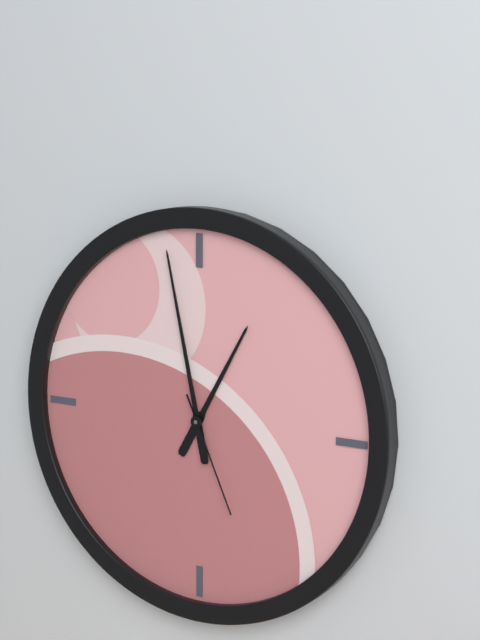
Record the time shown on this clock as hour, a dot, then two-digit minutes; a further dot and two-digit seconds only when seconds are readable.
12.58.26
